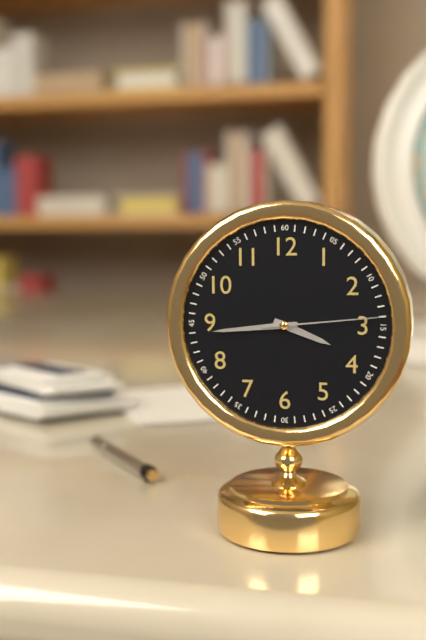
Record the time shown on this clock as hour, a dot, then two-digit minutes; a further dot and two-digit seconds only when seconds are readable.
3.44.14
